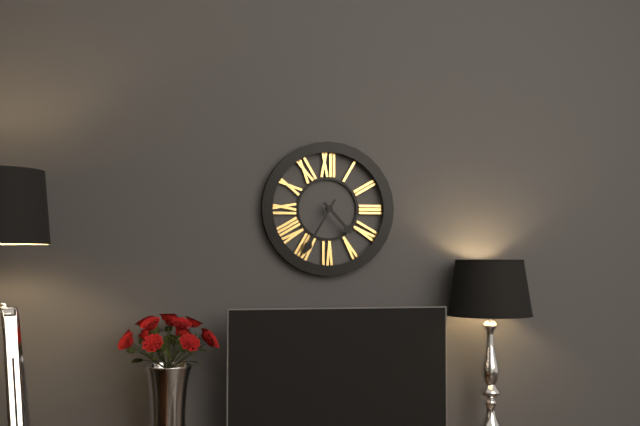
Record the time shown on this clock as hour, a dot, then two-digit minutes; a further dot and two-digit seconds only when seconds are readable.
4.35
